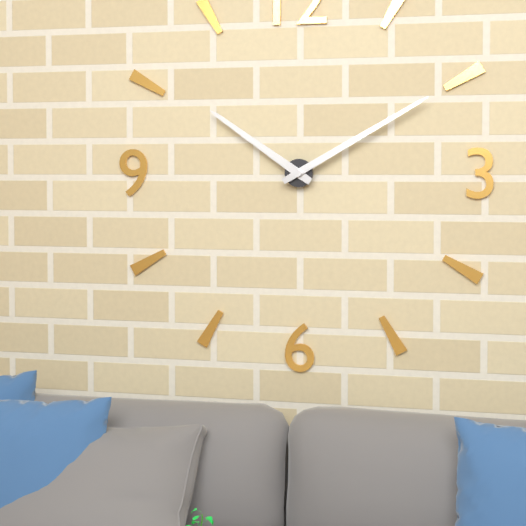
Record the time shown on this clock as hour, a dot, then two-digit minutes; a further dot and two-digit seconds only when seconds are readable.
10.10
